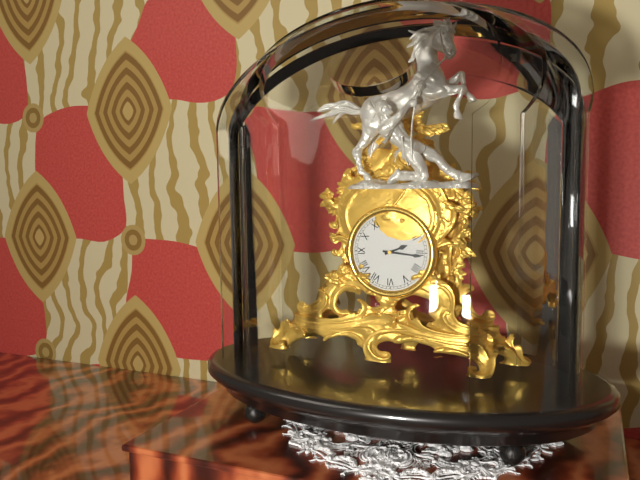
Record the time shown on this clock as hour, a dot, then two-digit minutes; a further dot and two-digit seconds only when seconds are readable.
2.16
